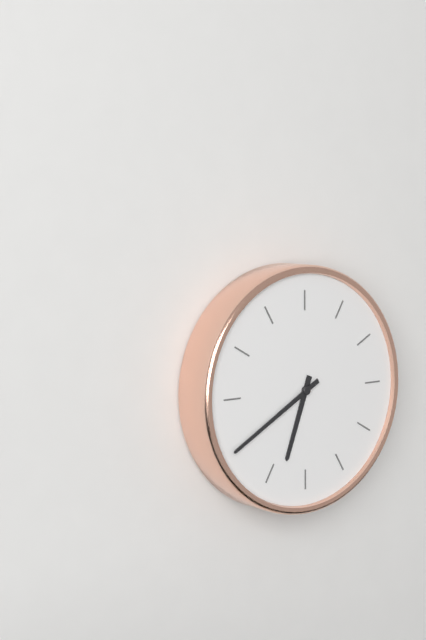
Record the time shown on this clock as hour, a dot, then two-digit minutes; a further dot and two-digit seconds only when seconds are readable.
6.40
